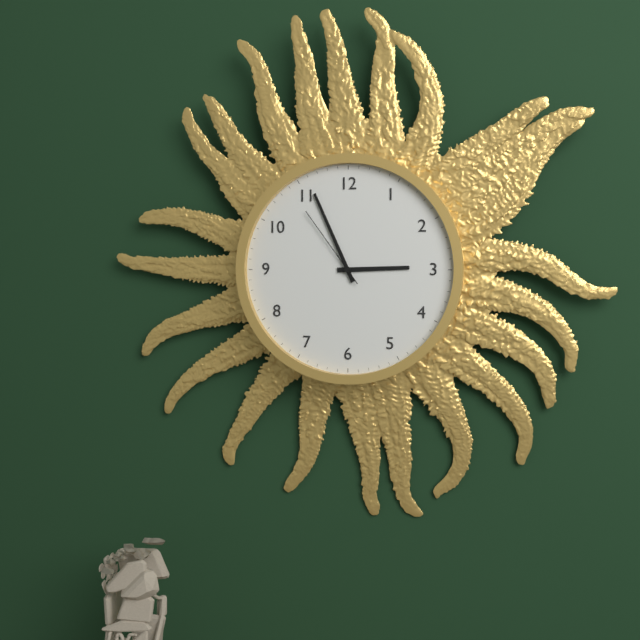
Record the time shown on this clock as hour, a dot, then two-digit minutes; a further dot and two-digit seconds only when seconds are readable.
2.56.54
